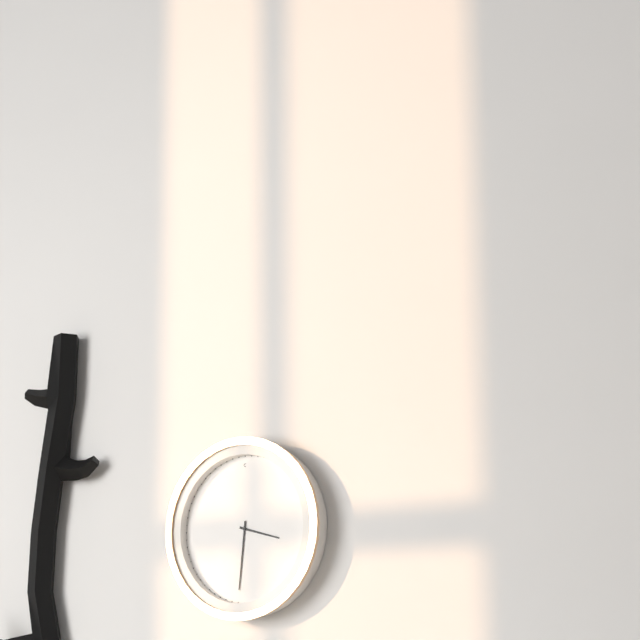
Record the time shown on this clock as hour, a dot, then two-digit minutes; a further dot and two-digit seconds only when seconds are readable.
3.31
